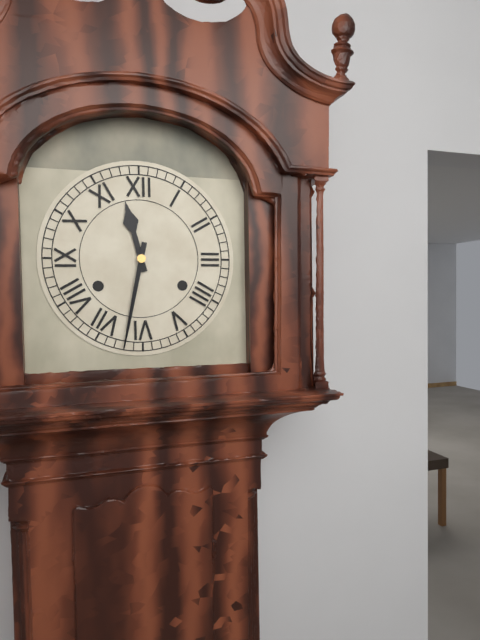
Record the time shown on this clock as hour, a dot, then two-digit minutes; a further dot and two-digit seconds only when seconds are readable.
11.32
